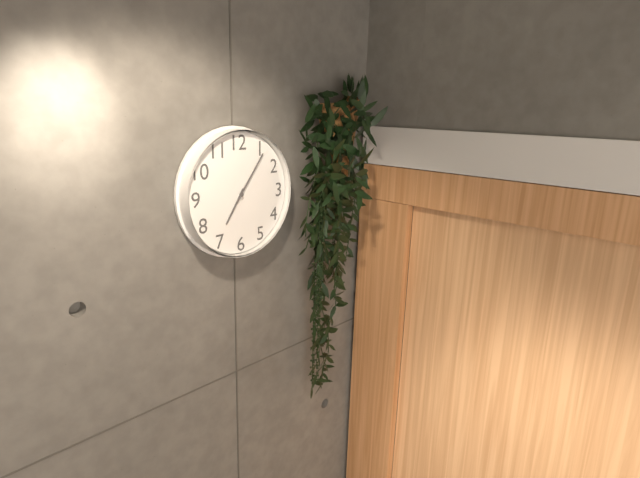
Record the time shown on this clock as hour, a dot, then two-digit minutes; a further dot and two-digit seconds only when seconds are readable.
7.06
